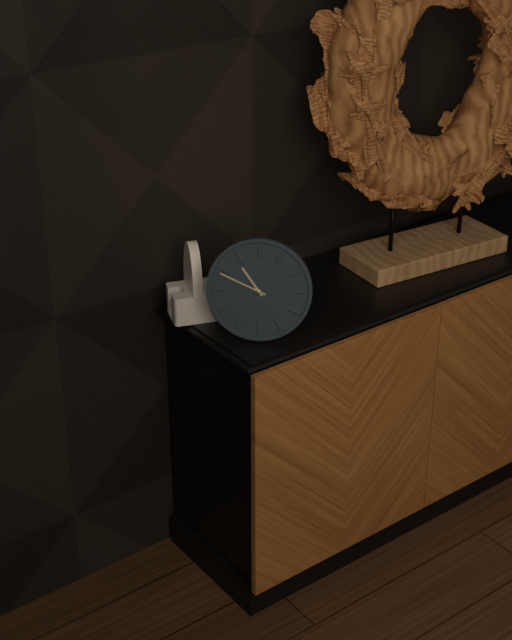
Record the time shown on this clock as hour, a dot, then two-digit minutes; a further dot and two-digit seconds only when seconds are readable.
10.49
